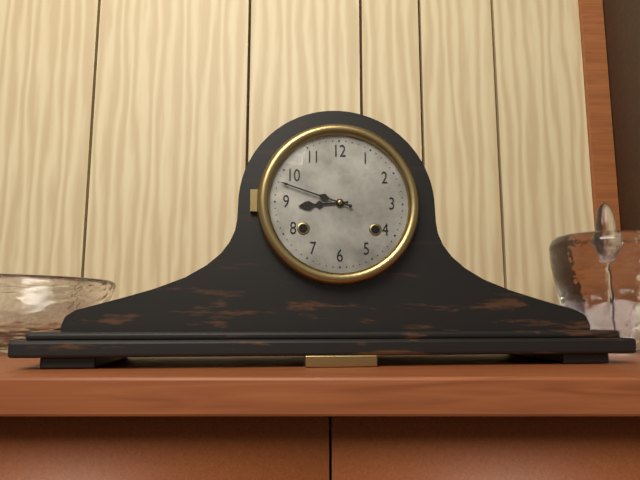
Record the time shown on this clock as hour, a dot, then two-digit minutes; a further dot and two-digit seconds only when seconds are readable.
8.48
